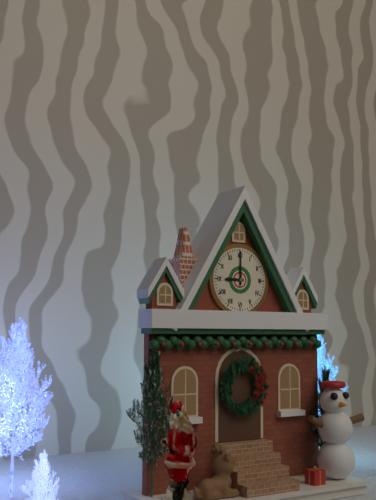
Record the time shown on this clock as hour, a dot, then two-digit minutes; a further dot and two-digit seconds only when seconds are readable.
9.00
